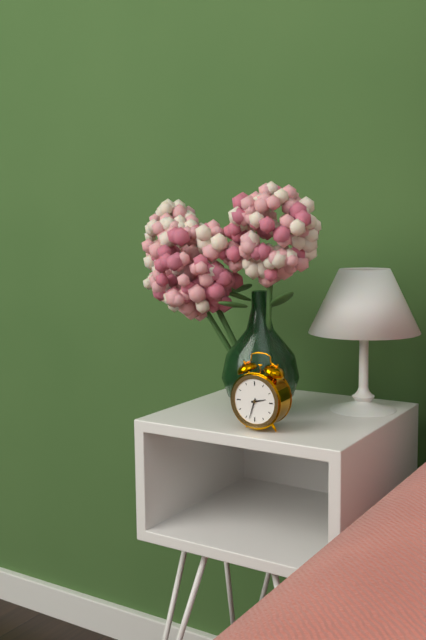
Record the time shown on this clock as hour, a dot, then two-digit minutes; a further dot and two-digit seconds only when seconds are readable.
2.33
